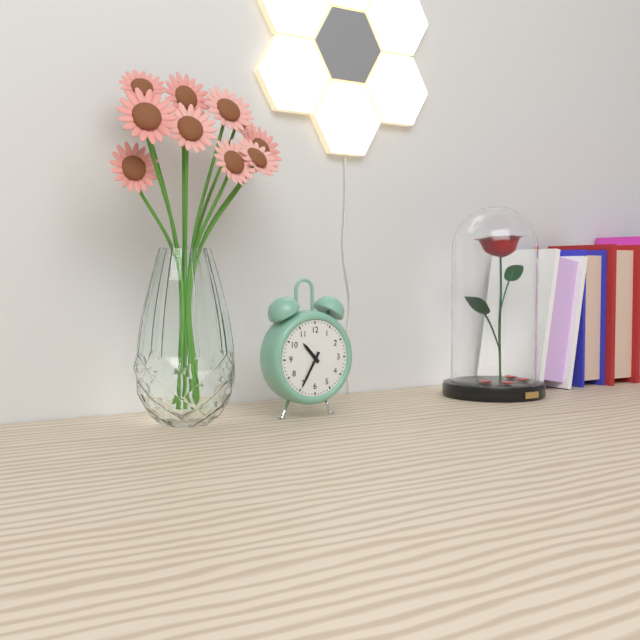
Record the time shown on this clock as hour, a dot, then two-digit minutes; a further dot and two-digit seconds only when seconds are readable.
10.35
